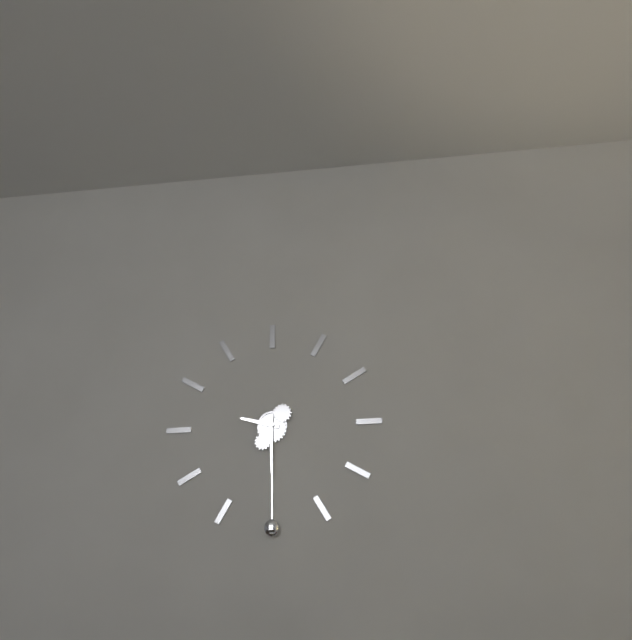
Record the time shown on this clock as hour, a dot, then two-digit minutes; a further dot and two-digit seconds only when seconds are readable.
9.30
